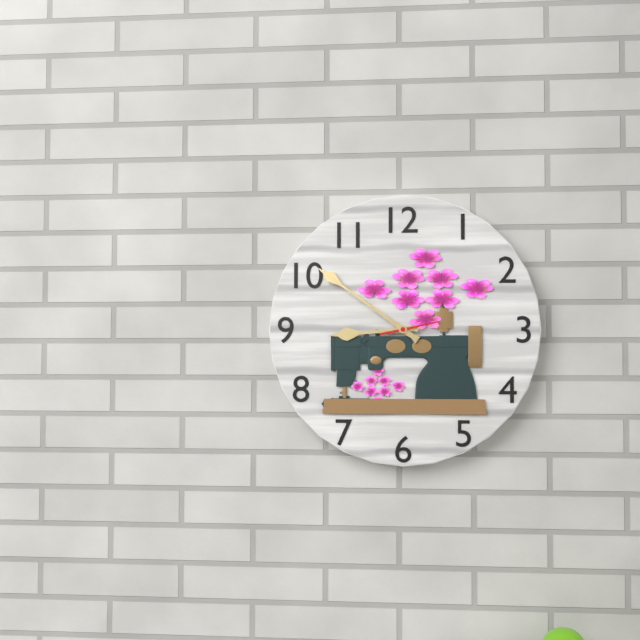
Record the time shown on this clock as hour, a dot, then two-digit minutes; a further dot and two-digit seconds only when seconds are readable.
8.51
